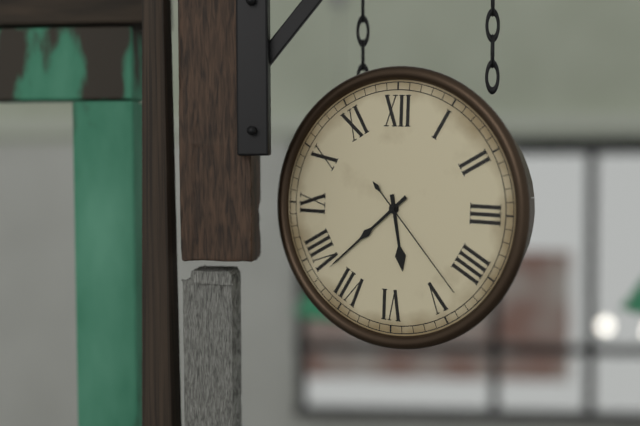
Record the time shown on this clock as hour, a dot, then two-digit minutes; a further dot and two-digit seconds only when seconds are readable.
5.38.23
